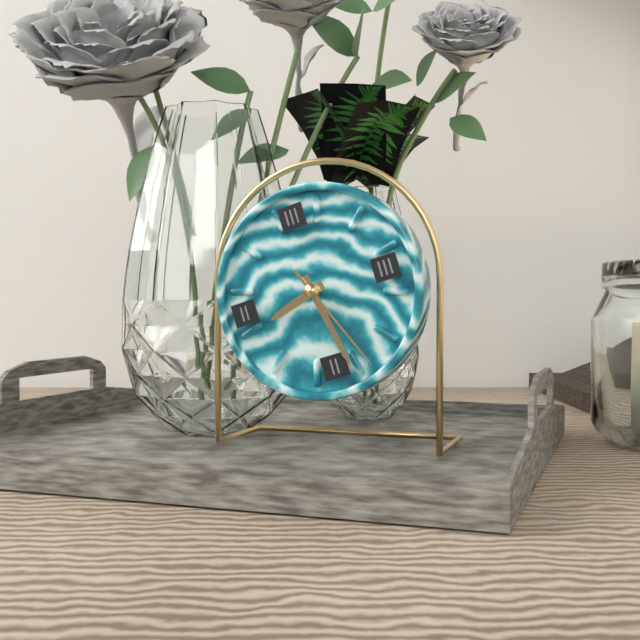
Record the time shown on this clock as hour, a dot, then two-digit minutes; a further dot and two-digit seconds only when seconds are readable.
8.28.26
